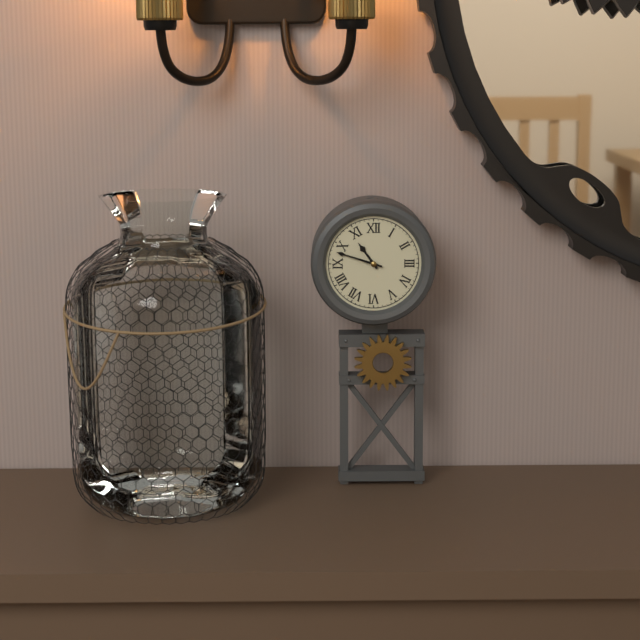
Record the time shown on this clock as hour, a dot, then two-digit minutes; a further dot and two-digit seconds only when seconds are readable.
10.48
